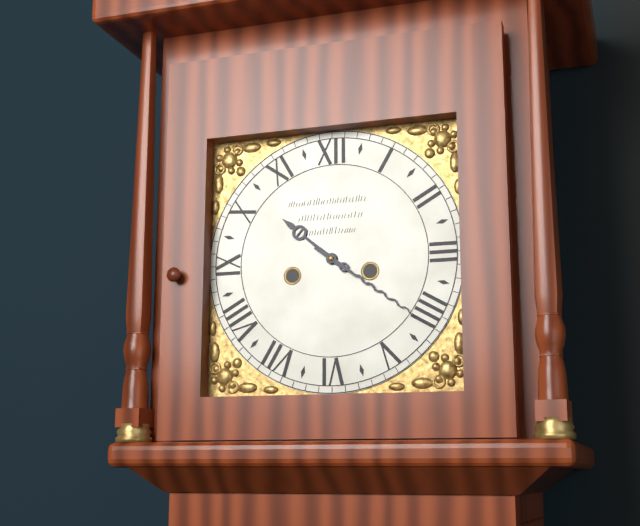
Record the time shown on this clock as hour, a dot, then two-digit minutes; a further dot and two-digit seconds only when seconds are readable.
10.21
